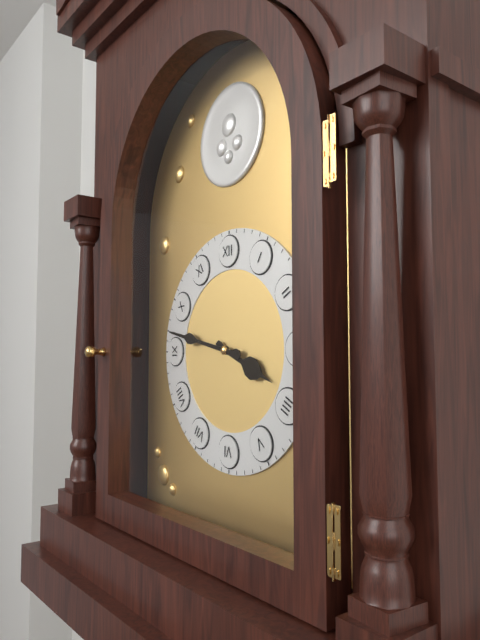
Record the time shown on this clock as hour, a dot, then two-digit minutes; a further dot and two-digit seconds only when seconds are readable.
3.47
